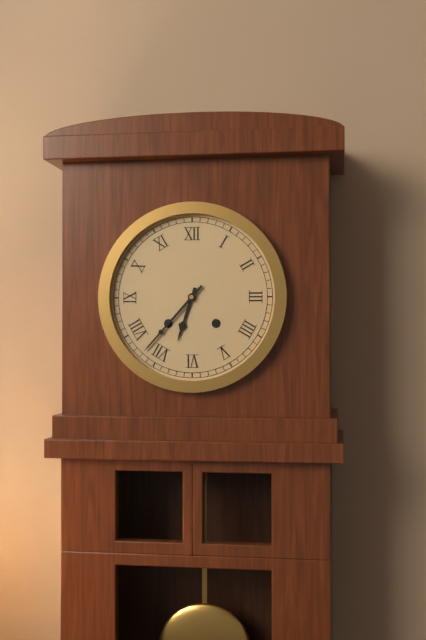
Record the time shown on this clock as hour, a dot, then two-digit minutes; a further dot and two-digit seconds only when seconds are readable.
6.37
